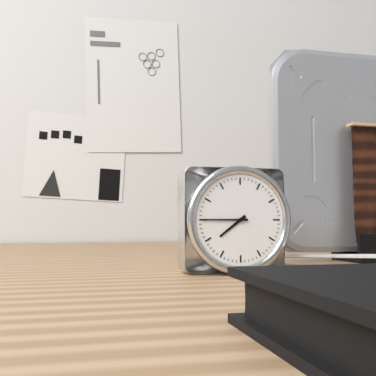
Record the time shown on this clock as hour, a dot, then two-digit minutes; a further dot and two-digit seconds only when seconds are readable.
7.45
